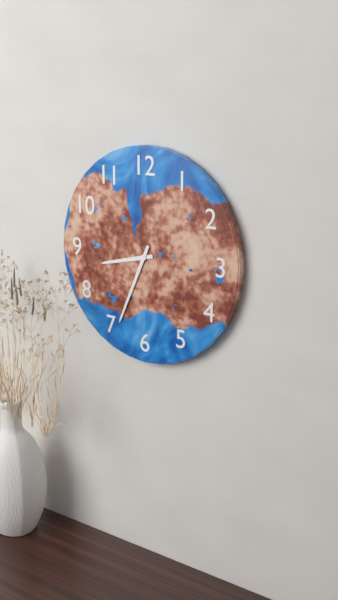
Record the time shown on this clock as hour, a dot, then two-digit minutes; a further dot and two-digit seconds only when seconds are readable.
8.34
